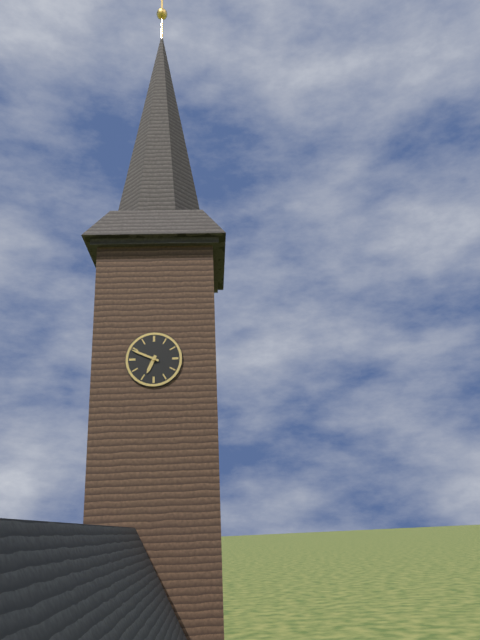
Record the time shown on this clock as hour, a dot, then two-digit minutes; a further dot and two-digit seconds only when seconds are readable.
6.49
